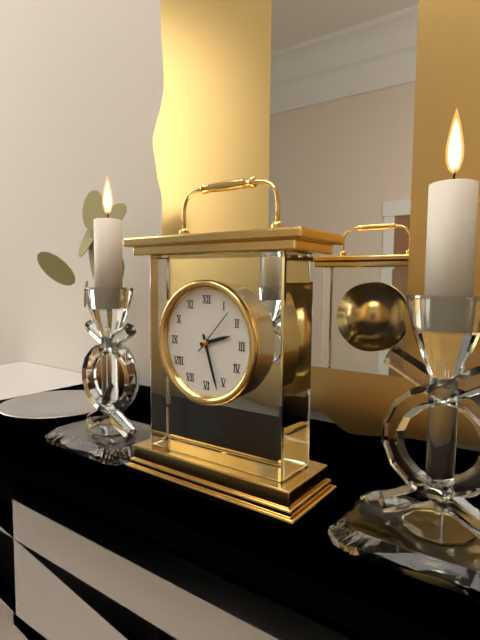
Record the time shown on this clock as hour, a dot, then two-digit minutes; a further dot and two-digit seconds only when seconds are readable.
2.27
